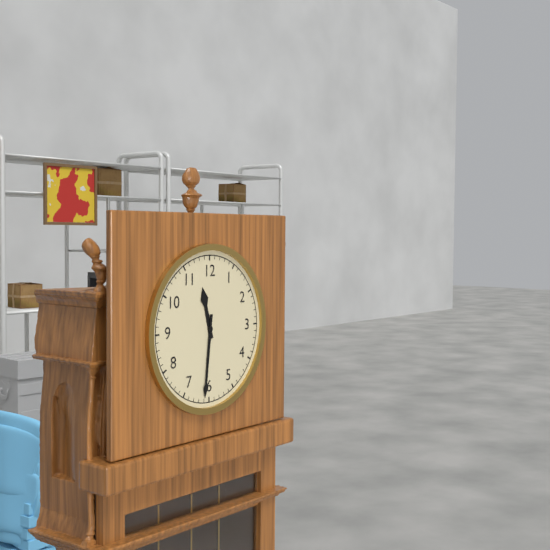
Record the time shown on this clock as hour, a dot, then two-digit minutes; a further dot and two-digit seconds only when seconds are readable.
11.31
